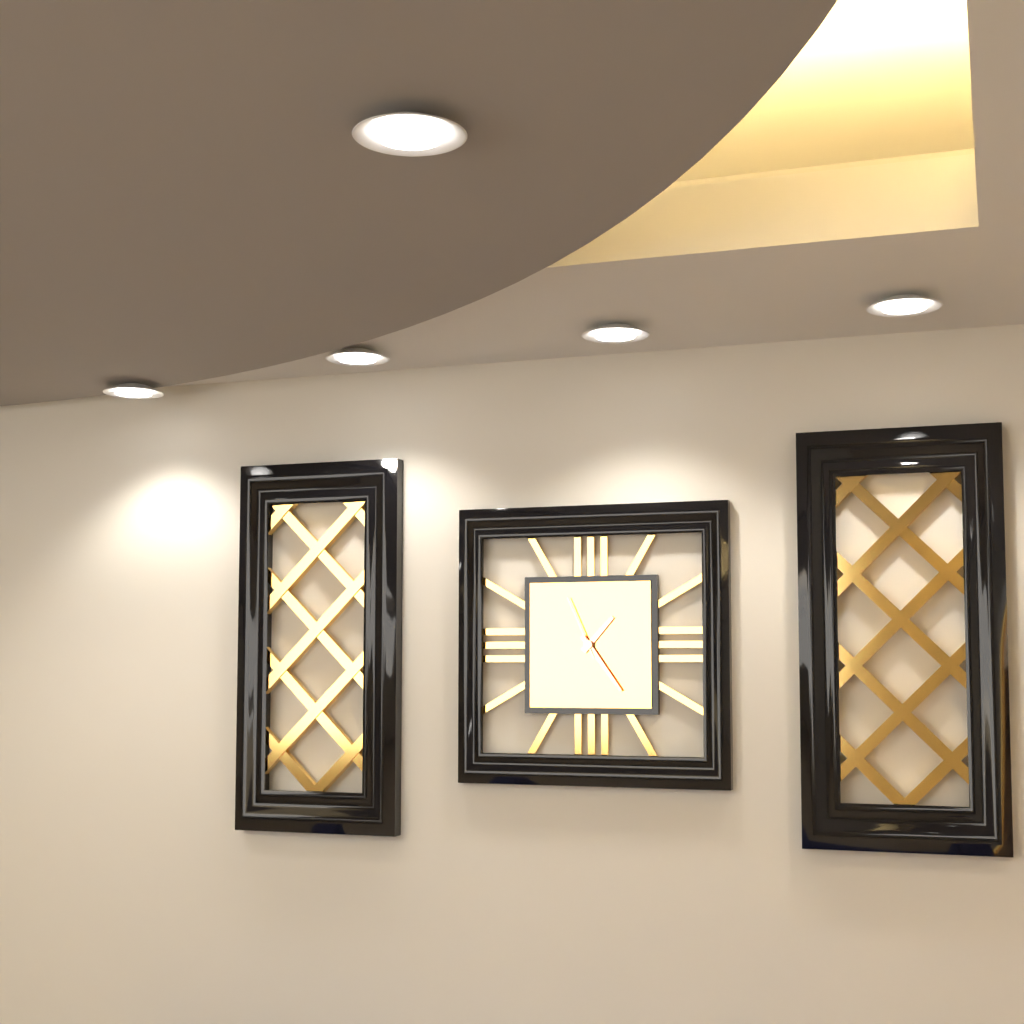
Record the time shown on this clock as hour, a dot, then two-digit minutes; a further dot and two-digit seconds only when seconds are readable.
1.24.56
